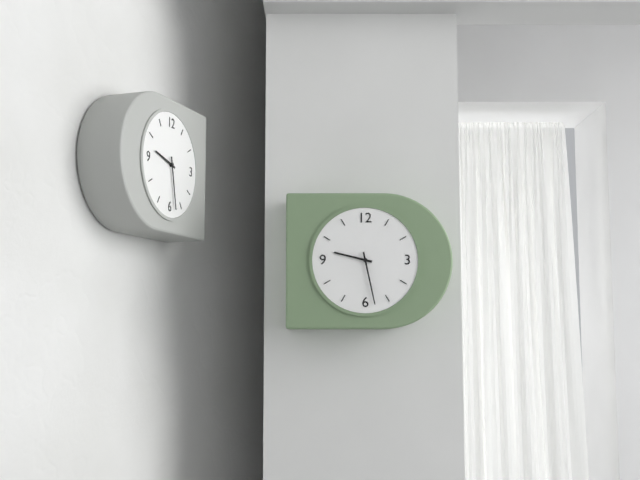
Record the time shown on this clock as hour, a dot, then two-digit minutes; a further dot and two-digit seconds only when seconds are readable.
9.28
